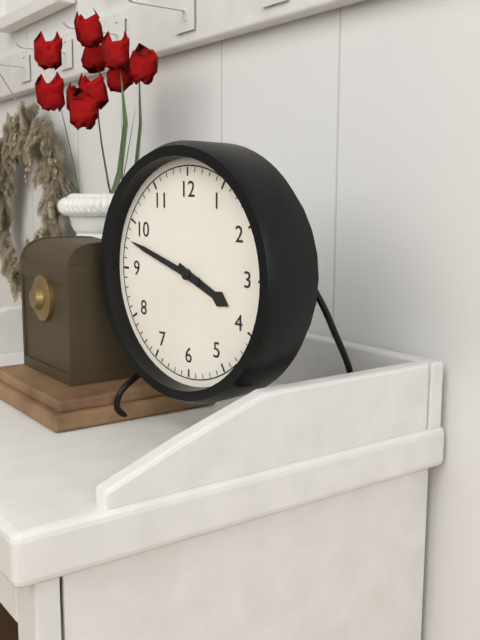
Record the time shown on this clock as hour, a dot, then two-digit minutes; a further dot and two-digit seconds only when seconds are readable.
3.48
